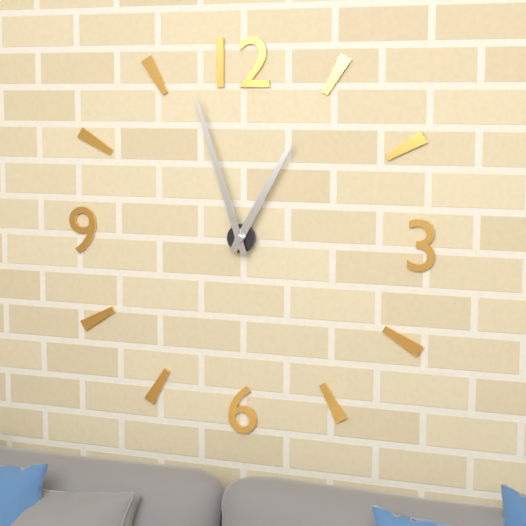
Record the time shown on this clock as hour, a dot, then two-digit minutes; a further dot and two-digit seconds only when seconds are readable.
12.57
